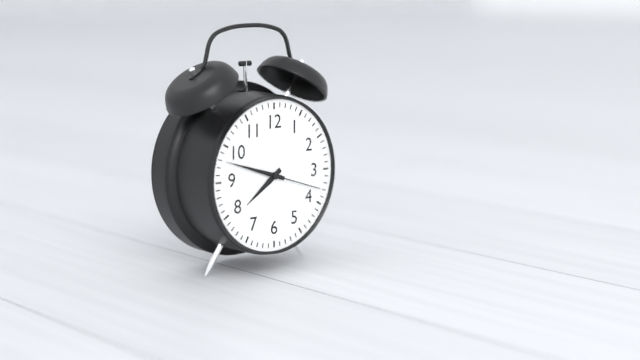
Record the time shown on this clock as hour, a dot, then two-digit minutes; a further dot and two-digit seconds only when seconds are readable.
7.48.18
